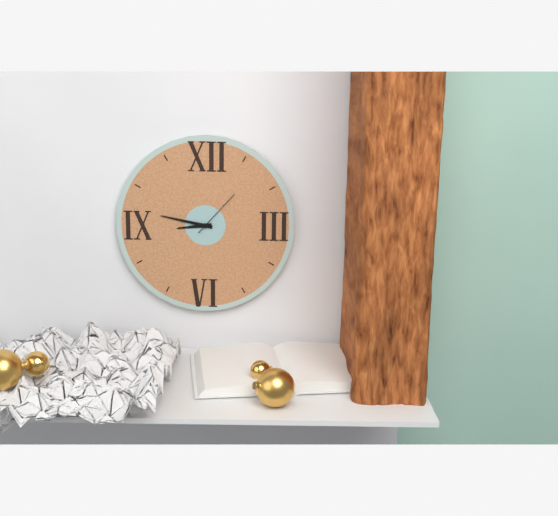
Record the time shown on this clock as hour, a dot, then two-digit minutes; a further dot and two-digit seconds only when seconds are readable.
8.47.07
